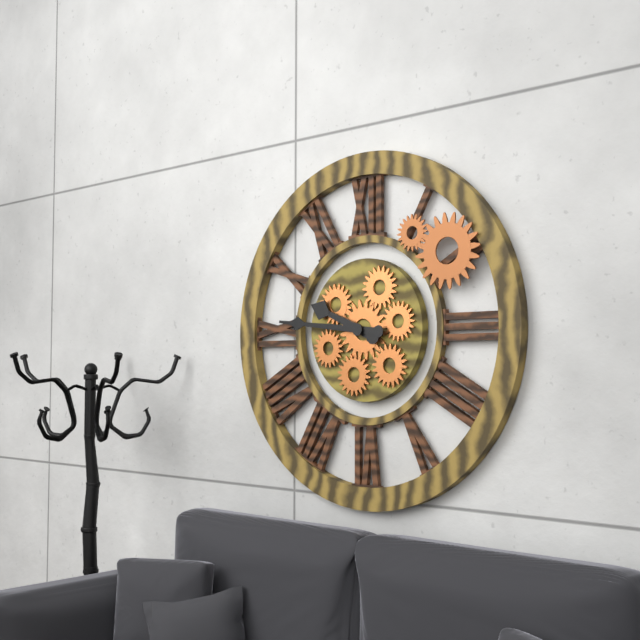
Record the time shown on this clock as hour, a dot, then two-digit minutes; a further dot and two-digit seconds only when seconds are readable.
9.46
